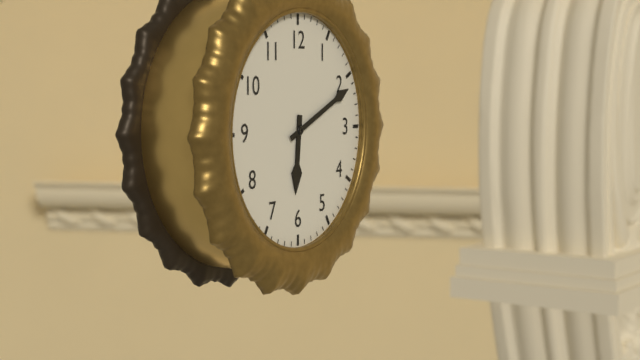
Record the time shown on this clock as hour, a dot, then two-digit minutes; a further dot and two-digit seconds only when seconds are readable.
6.11
